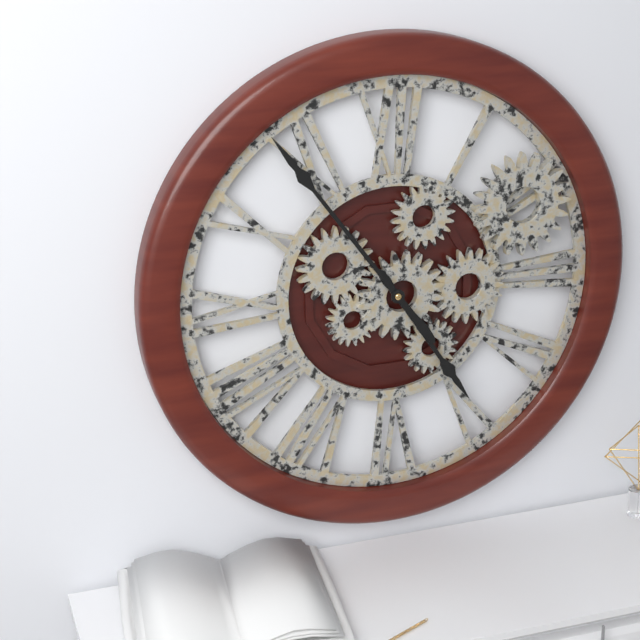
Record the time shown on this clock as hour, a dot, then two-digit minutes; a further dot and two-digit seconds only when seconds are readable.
4.54
